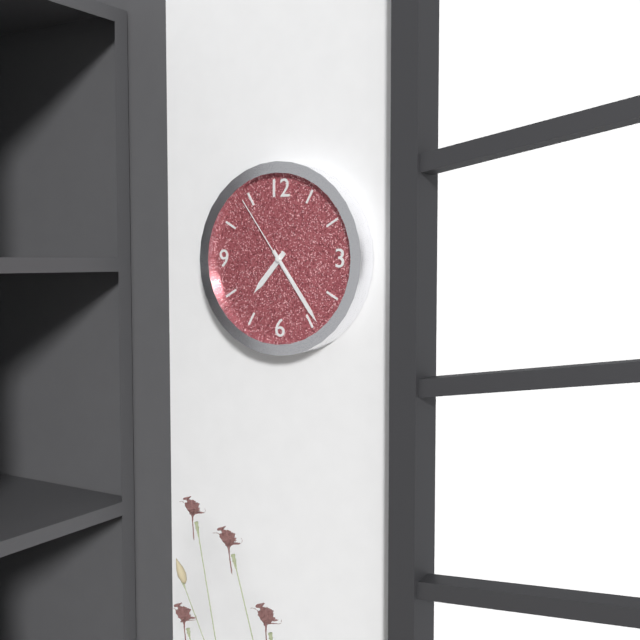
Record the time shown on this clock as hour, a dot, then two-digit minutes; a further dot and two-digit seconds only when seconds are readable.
7.24.54
